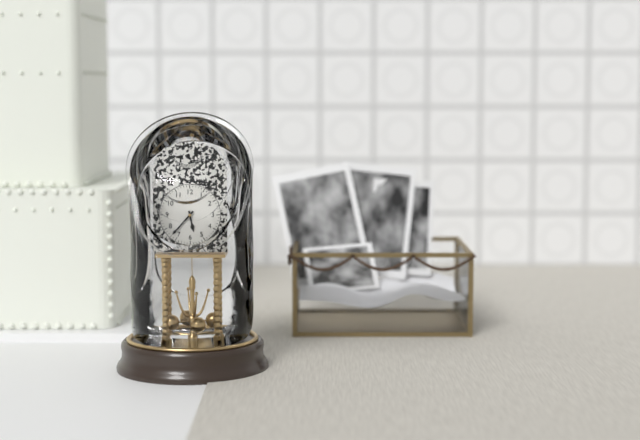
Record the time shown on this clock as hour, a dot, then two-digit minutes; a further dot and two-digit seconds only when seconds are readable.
5.37
